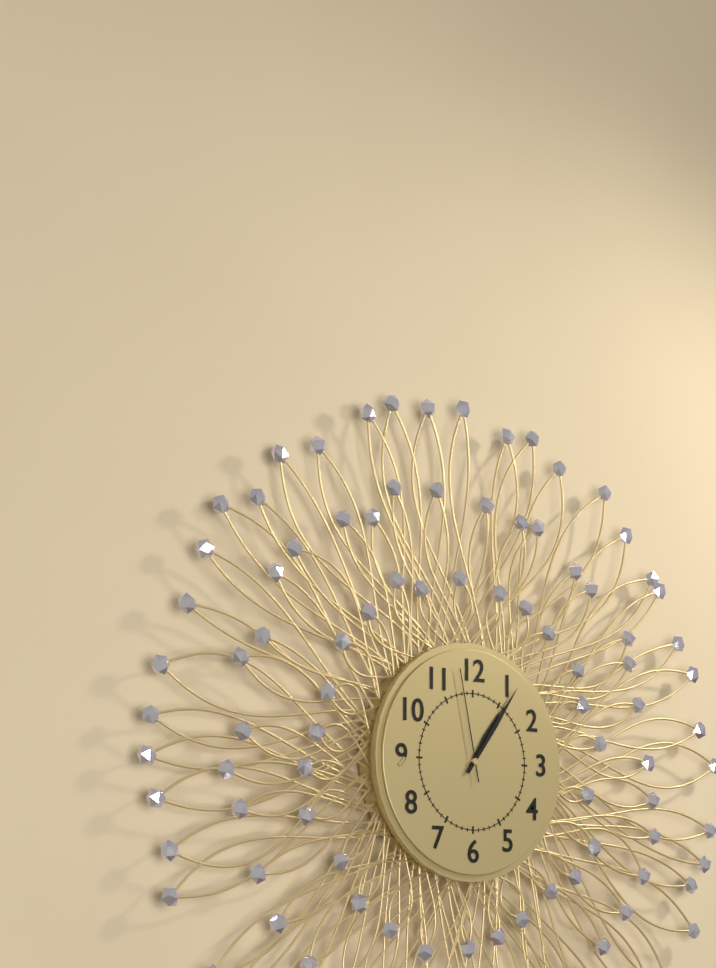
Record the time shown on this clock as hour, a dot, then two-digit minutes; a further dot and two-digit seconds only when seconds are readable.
1.06.58
